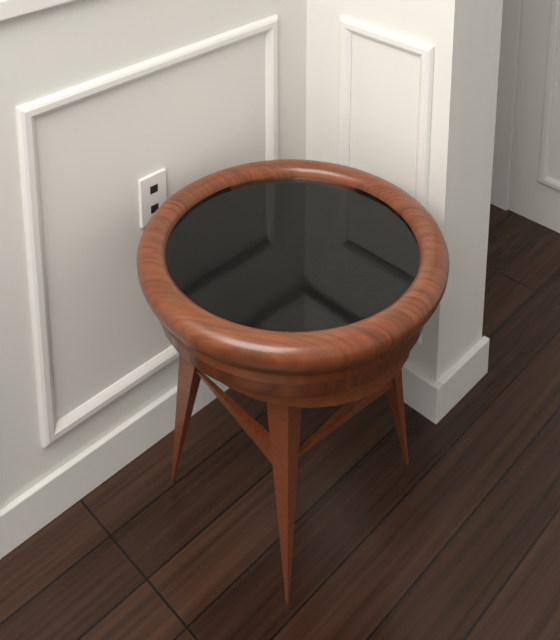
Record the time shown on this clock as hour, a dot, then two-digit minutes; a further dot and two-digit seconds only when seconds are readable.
2.15
